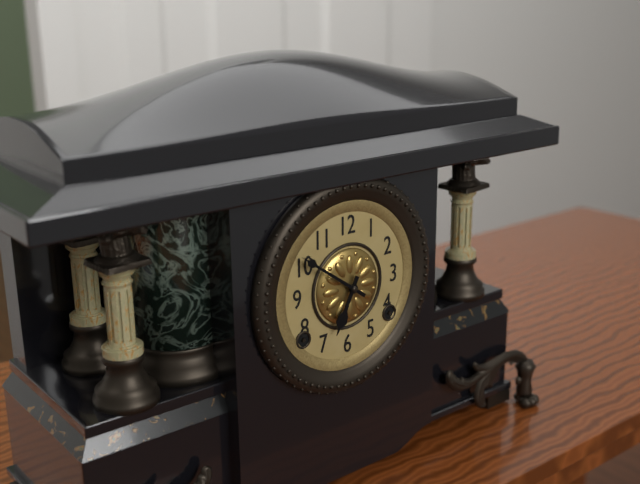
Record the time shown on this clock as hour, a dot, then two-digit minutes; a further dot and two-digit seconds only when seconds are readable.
6.51
